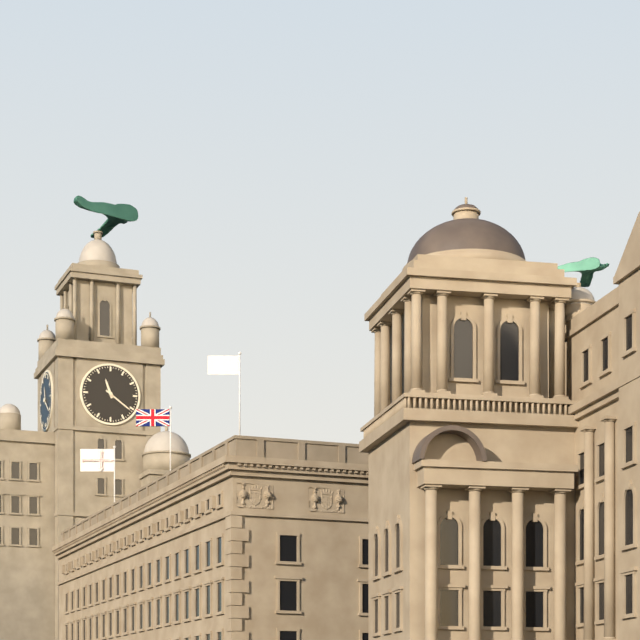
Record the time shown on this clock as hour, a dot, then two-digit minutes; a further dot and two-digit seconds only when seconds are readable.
11.21
